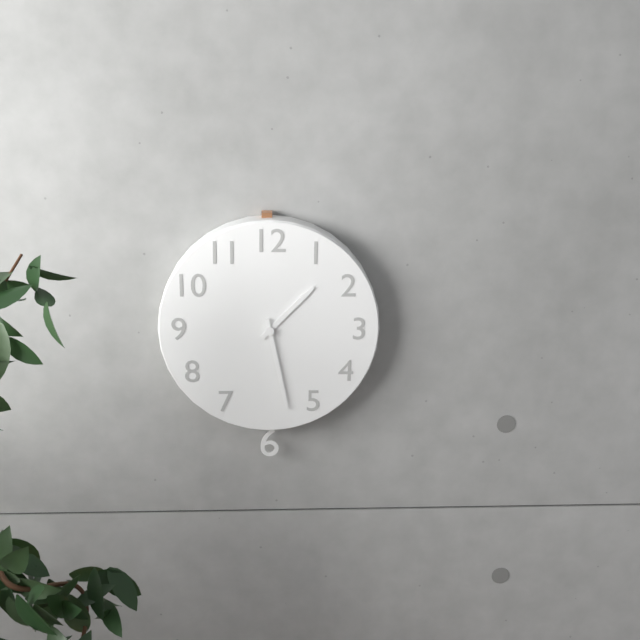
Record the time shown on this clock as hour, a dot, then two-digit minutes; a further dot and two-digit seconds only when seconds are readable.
1.28
